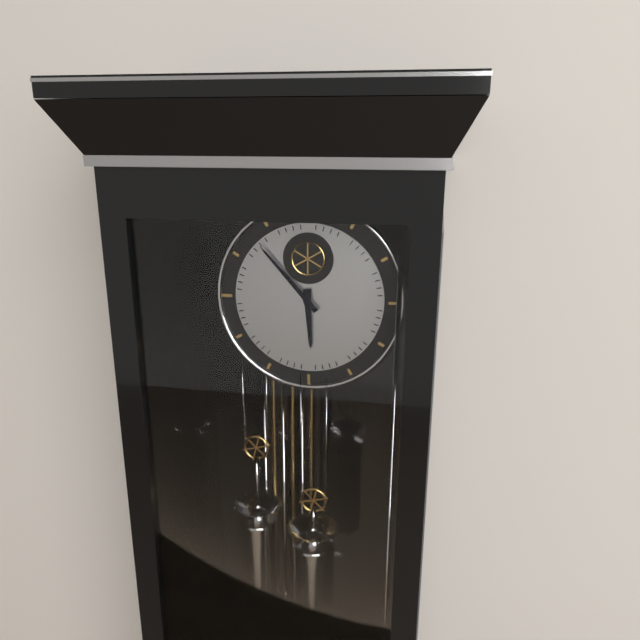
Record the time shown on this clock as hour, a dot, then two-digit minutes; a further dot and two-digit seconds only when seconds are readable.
5.53
